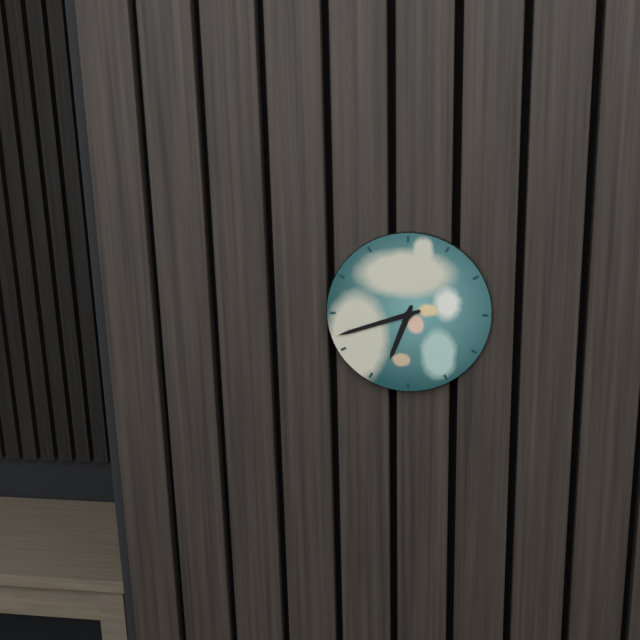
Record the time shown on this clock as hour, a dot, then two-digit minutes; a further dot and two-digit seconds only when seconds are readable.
6.42
